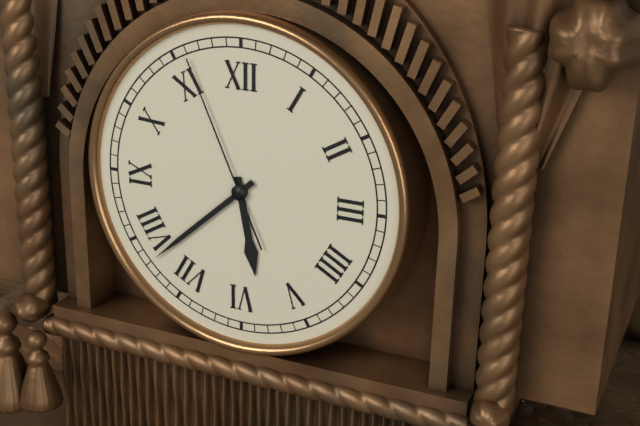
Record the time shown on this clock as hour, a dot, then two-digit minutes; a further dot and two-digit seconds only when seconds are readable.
5.38.56
